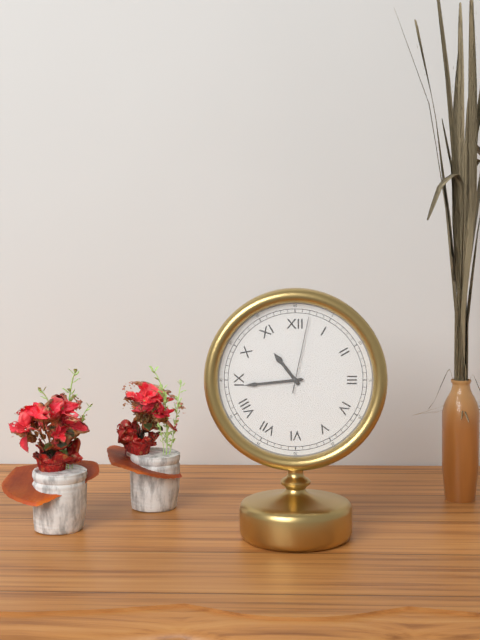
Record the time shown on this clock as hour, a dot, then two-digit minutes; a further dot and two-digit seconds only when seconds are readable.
10.44.02
